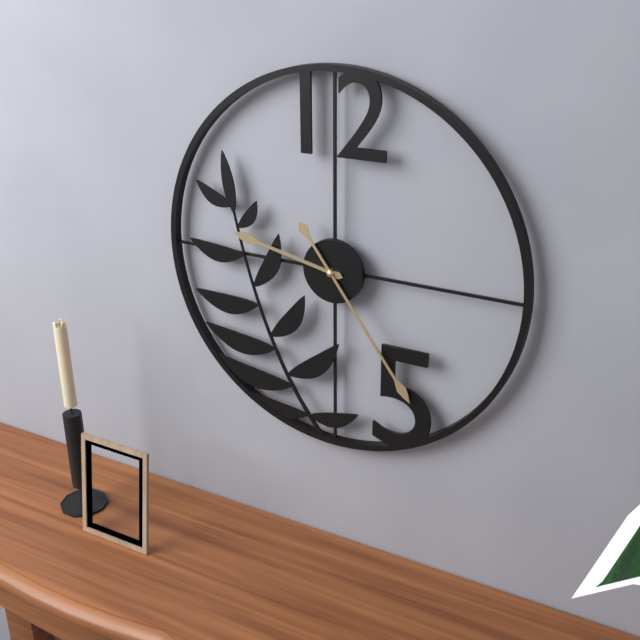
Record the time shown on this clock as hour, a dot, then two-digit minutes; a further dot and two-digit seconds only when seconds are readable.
9.24
